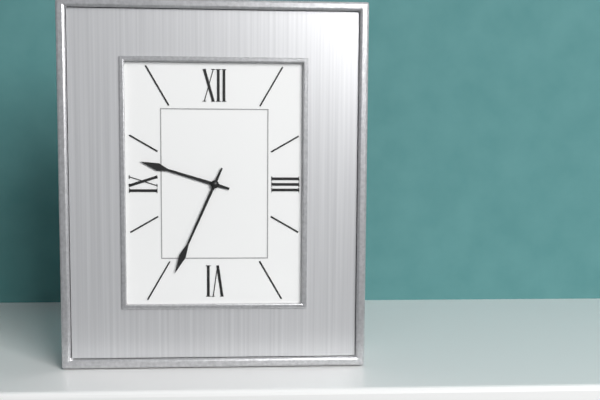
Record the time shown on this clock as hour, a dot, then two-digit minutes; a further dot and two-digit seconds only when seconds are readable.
9.34
